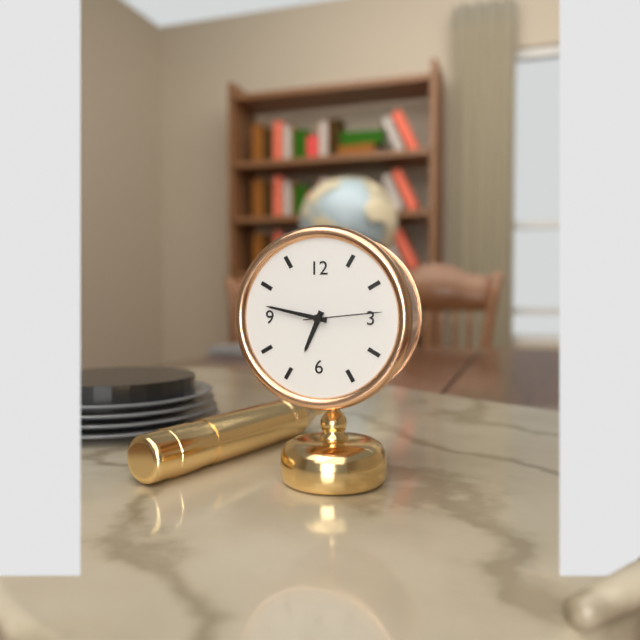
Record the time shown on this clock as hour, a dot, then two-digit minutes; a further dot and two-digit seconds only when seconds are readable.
6.47.14
